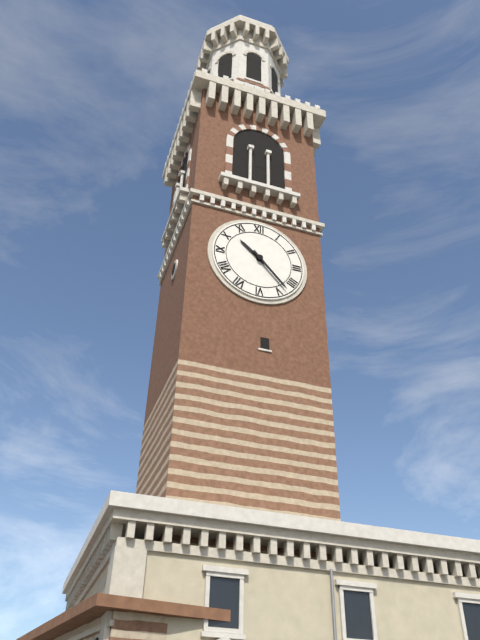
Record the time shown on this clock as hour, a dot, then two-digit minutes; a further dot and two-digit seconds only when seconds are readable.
10.23
